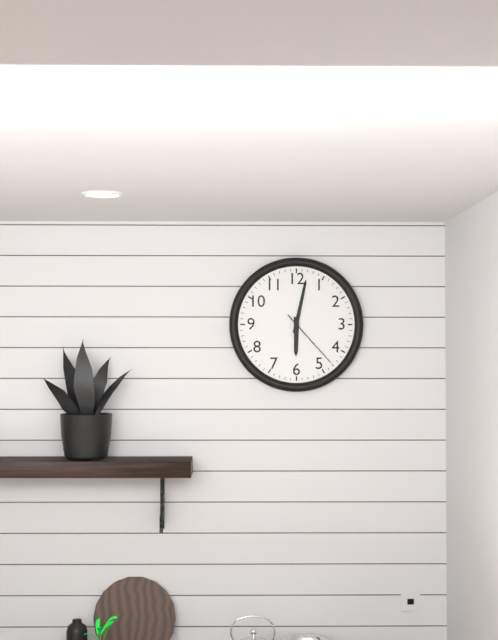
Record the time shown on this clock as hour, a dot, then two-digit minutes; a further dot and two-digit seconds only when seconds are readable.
6.02.23
